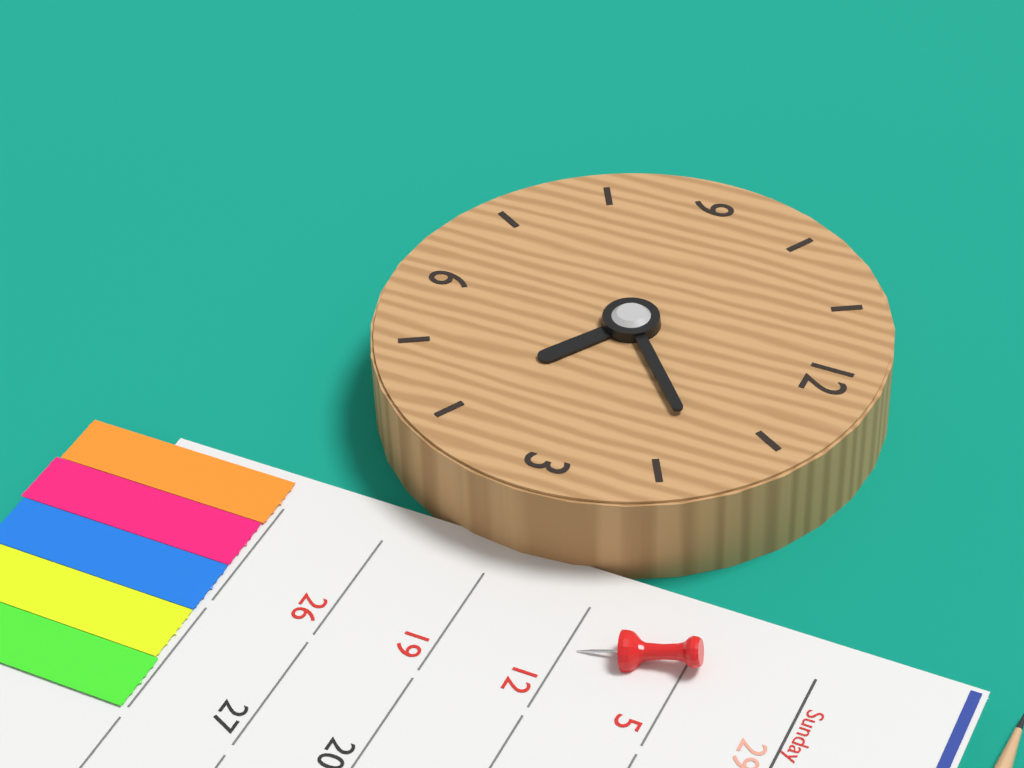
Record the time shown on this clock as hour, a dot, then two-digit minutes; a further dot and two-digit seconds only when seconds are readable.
4.08
